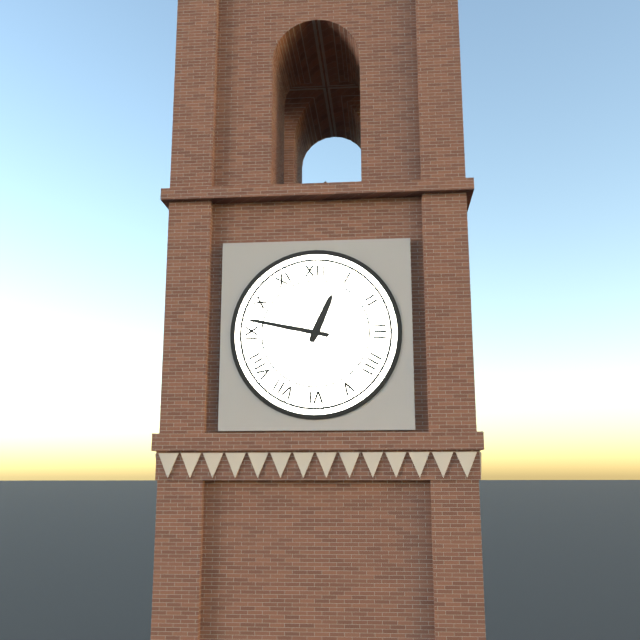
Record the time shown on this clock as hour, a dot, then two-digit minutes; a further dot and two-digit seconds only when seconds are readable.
12.47
